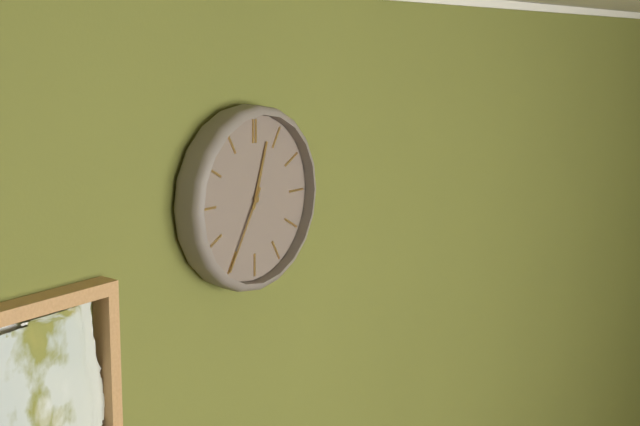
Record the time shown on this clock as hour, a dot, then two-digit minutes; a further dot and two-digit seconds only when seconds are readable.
12.35
